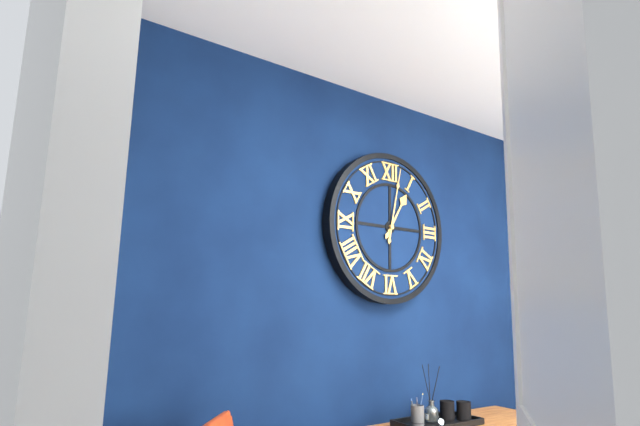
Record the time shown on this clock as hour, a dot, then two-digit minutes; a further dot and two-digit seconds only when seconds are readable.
1.02
